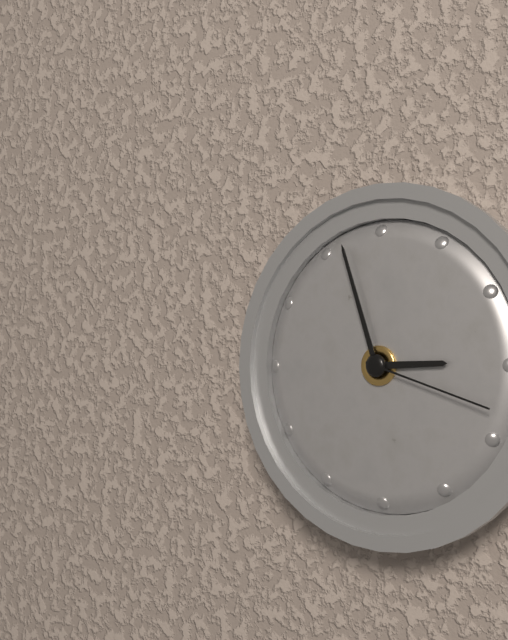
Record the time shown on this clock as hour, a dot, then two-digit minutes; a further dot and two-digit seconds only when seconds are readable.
2.57.18
